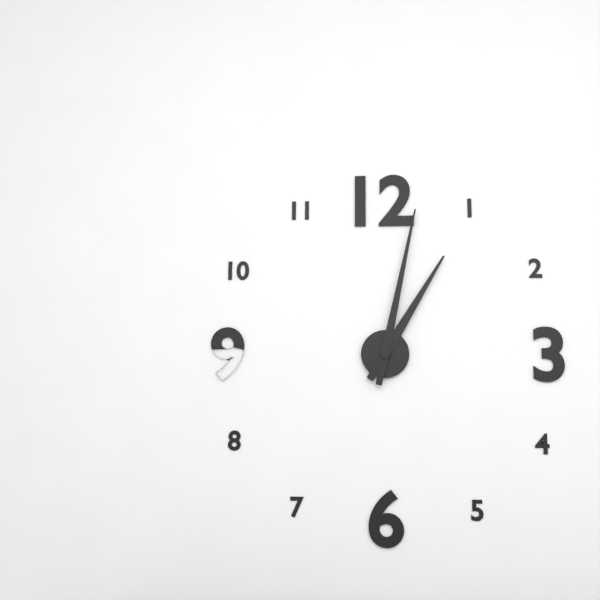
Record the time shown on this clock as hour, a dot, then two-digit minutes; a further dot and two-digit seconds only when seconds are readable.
1.02
